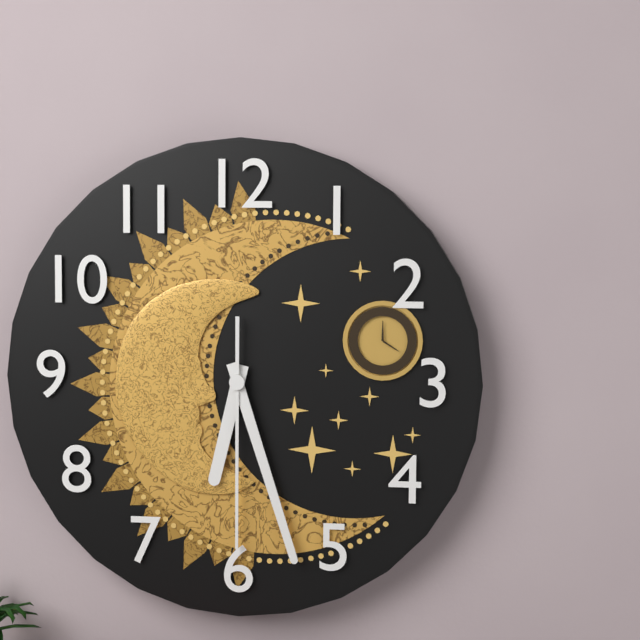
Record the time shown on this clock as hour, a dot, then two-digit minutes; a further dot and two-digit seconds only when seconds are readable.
6.27.30
